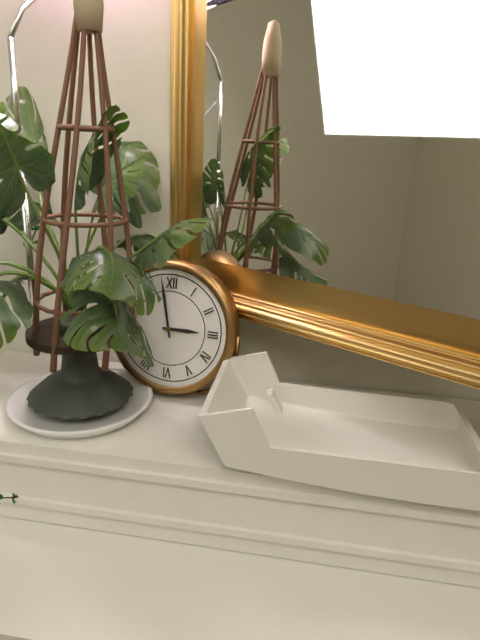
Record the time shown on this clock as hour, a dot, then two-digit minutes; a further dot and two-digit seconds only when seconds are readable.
2.58
